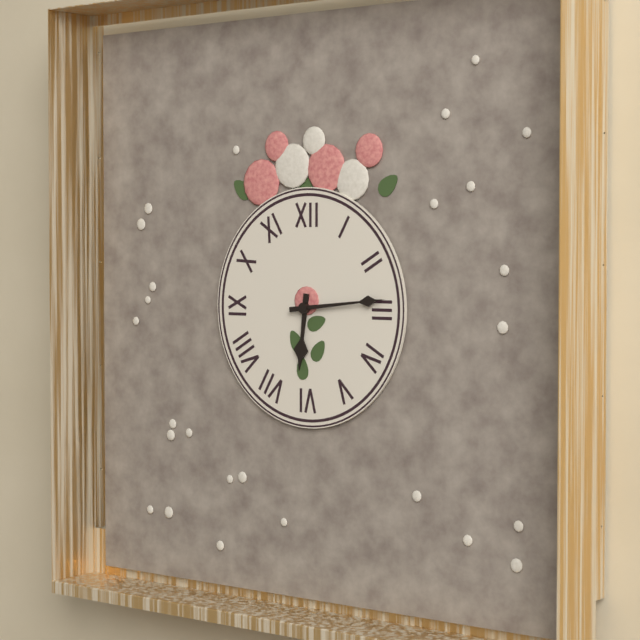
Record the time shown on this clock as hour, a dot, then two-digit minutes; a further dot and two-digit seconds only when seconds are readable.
6.14
